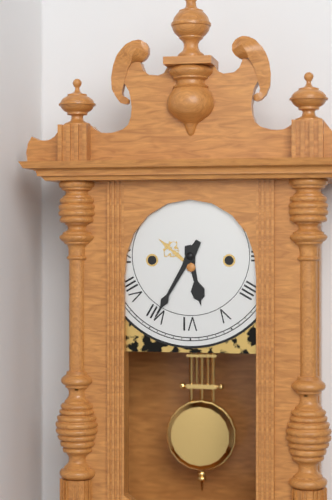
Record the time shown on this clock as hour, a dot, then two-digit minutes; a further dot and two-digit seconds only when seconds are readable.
5.35
